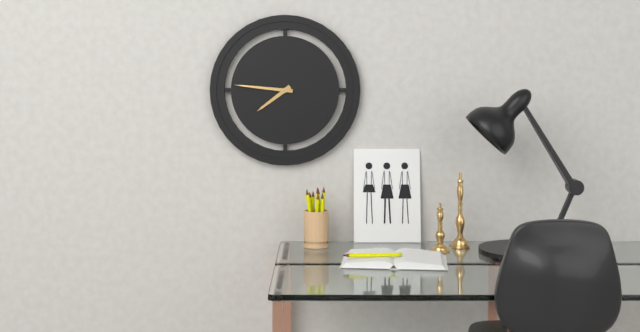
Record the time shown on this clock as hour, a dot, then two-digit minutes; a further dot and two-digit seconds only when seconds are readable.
7.46
